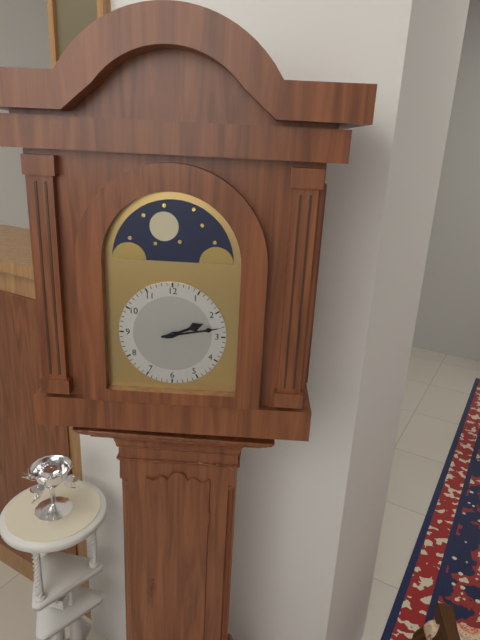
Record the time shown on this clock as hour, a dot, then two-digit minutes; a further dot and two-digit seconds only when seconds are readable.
2.13
